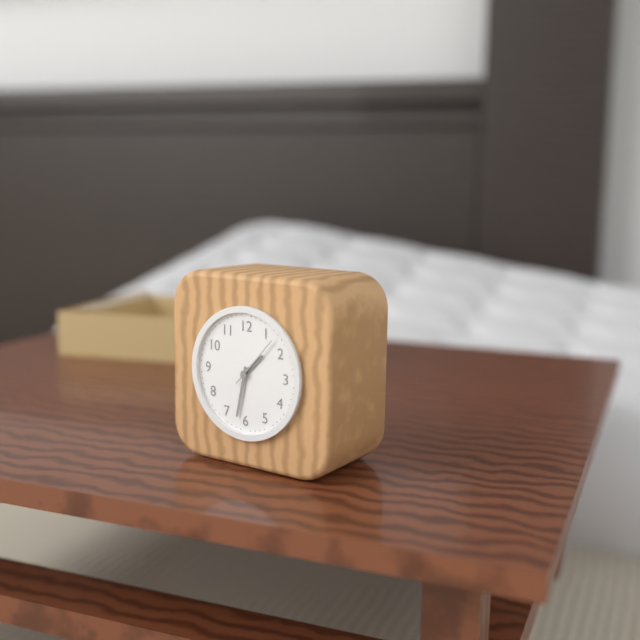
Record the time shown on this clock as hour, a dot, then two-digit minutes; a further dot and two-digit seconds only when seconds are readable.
1.32.07
